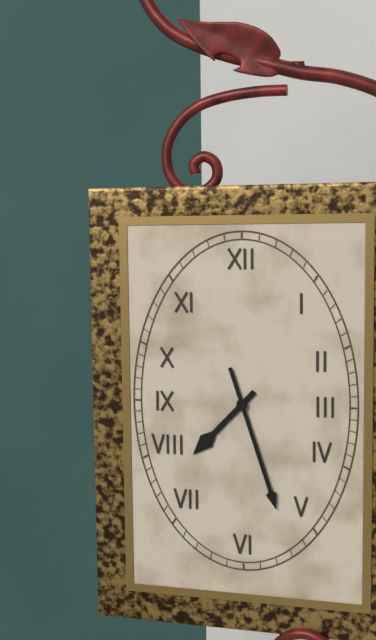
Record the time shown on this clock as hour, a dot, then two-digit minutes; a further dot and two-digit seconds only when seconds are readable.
7.27
